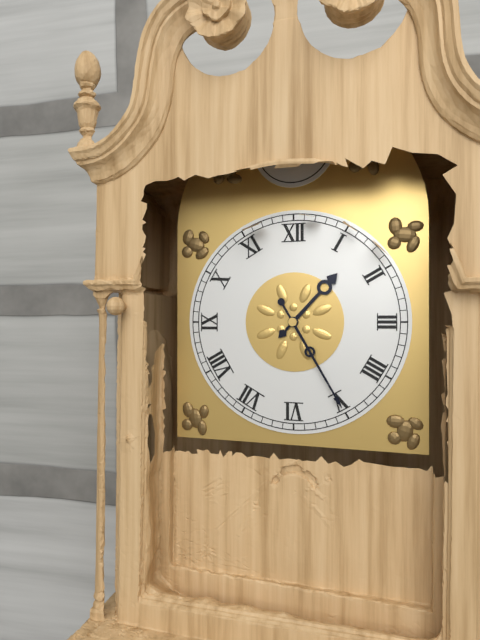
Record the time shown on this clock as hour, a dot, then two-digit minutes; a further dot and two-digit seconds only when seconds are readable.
1.25
